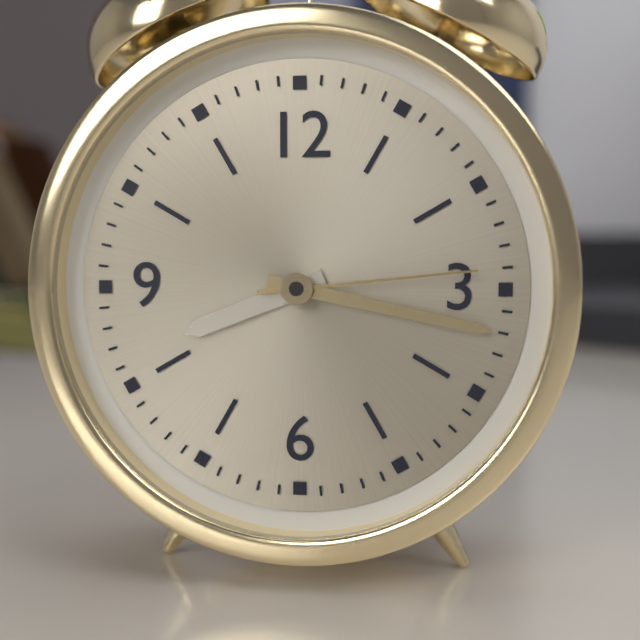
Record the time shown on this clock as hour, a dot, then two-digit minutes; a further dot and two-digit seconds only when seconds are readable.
8.17.14
